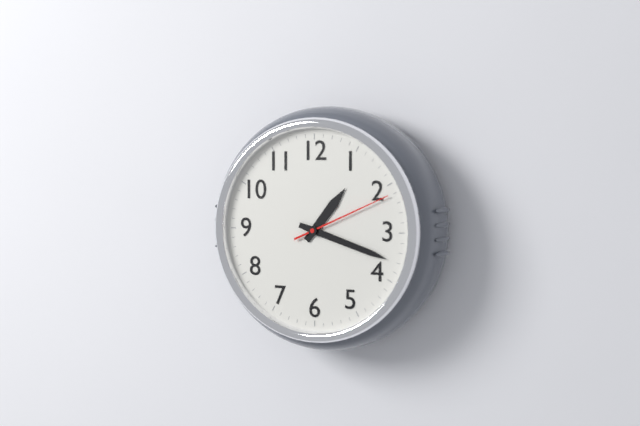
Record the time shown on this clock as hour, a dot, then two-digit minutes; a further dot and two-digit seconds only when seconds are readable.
1.18.11
